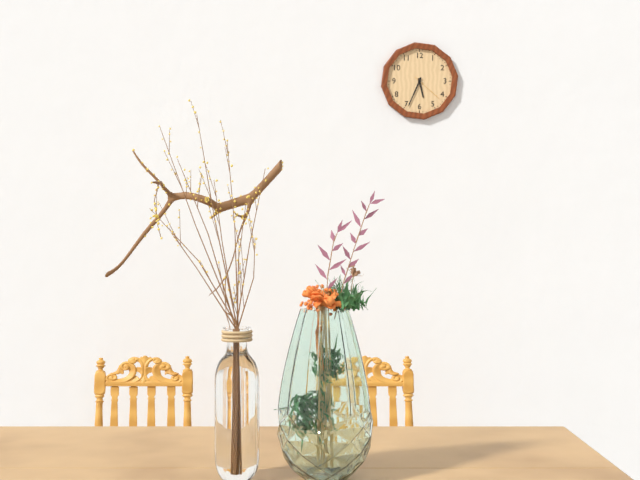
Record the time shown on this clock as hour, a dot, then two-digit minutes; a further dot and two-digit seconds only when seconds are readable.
5.34
